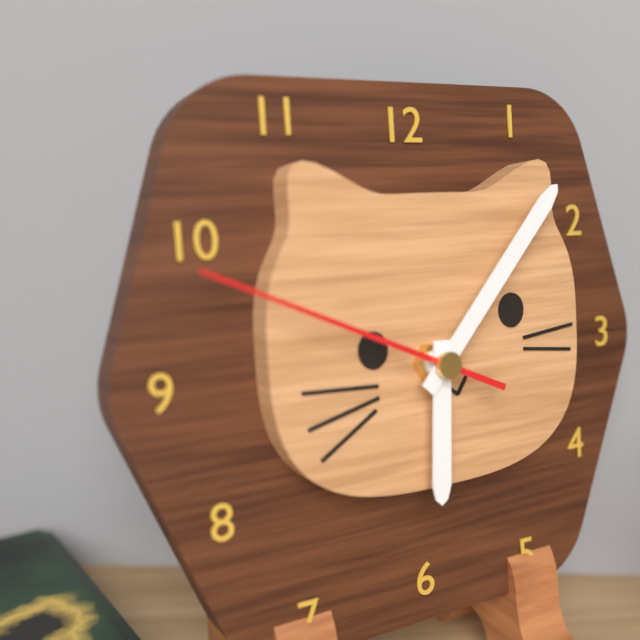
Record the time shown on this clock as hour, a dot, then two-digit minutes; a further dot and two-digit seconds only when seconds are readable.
6.07.49
